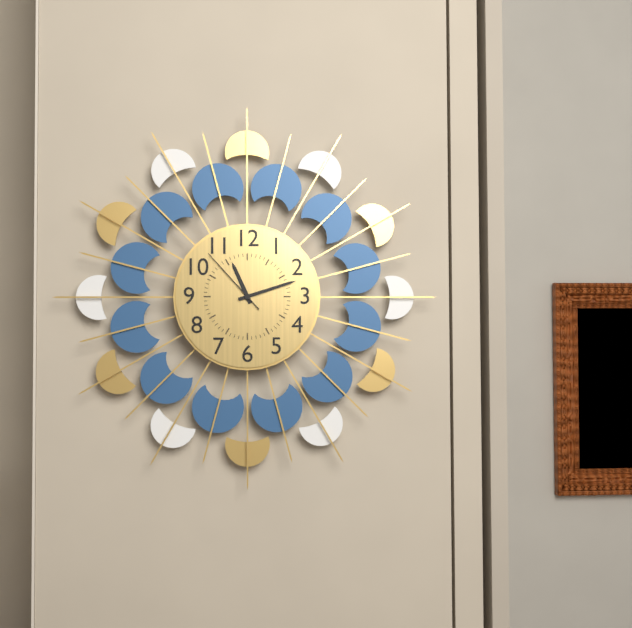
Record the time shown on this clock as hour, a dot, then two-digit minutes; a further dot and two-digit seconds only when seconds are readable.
11.12.53
